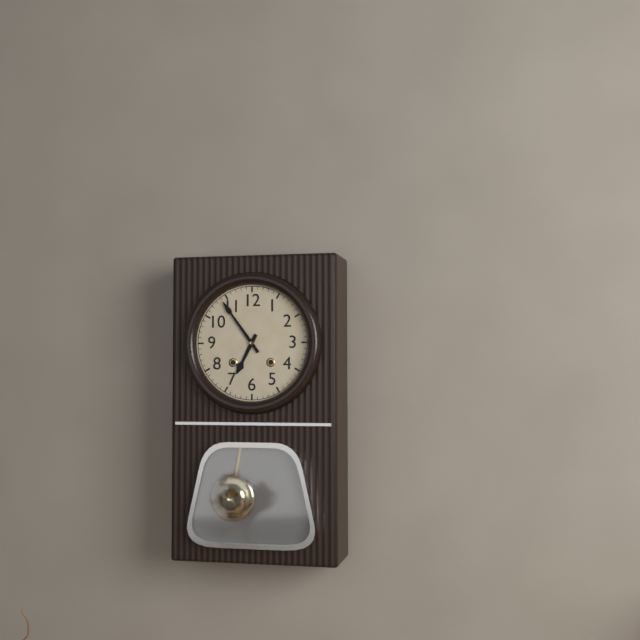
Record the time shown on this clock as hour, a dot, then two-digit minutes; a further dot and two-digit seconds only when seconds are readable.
6.54
